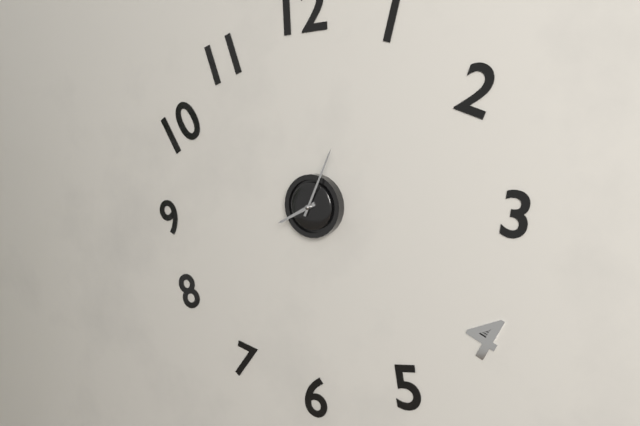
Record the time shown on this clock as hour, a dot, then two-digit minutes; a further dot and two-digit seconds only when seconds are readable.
8.04
